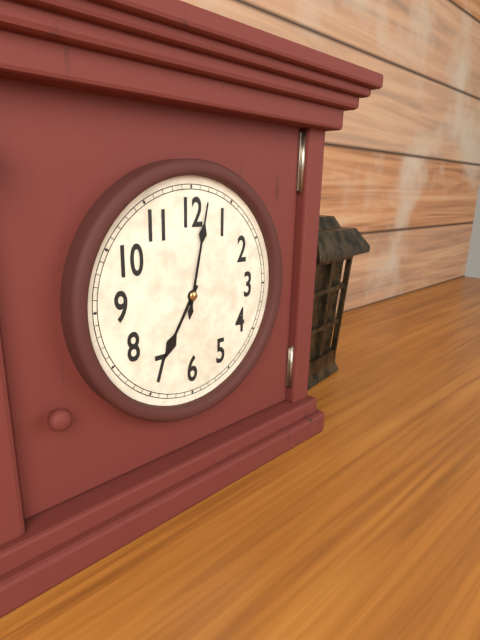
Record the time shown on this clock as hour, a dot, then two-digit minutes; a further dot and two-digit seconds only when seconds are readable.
7.02
